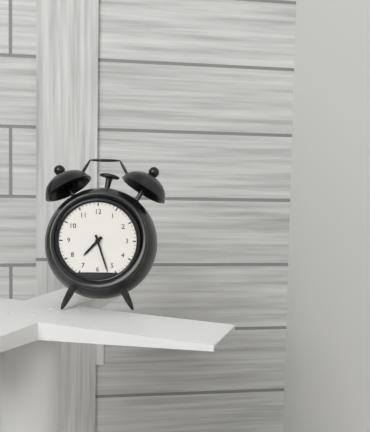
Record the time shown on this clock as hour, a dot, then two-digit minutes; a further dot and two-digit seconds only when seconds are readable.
7.27
